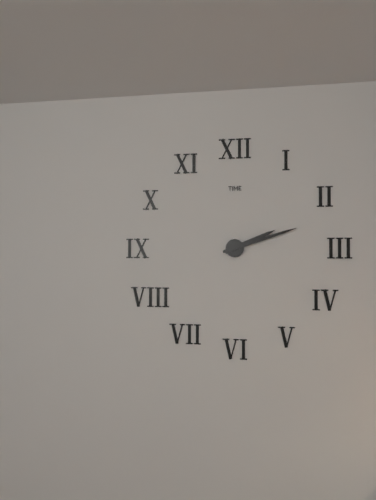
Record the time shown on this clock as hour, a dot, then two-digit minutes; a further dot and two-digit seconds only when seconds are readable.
2.12
